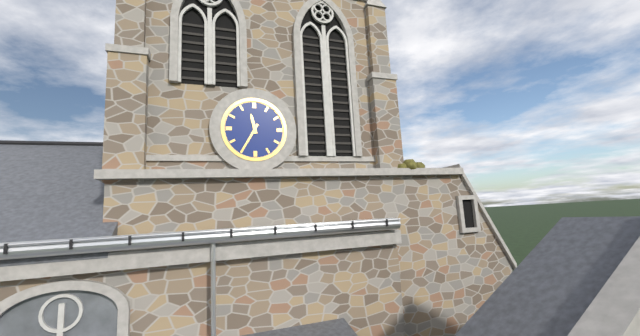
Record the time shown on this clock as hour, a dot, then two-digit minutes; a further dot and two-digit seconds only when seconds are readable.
11.35
